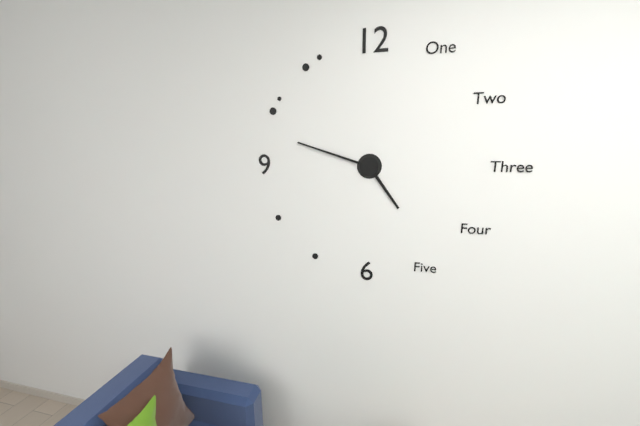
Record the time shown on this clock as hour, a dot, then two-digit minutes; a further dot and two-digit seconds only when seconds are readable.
4.48
